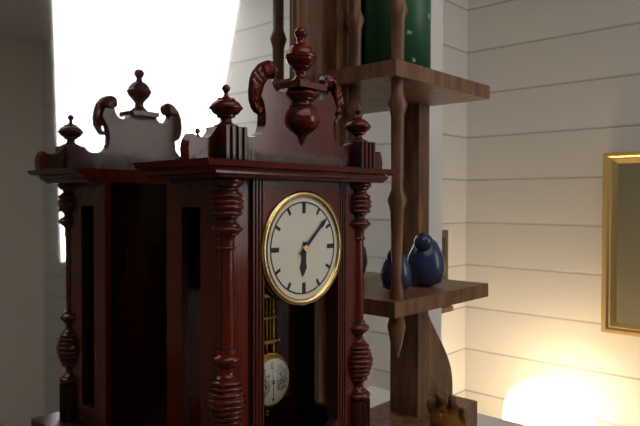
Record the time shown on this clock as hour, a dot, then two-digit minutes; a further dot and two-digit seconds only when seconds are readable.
6.08
